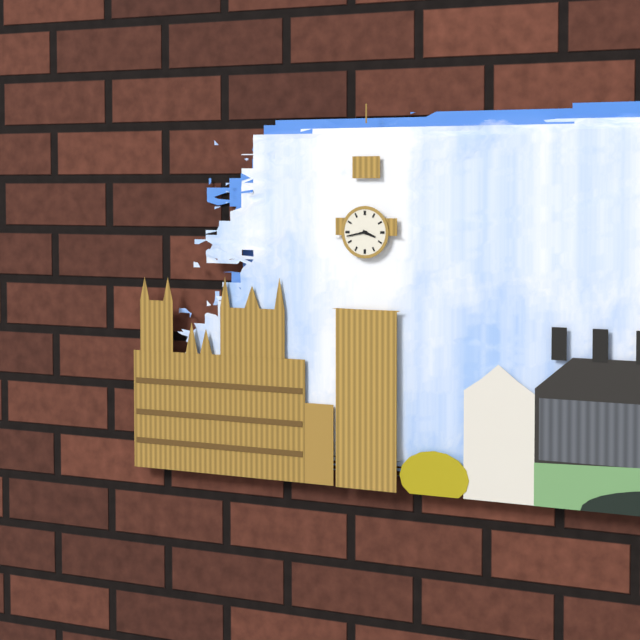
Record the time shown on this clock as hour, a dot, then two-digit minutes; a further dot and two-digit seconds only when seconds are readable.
3.43
